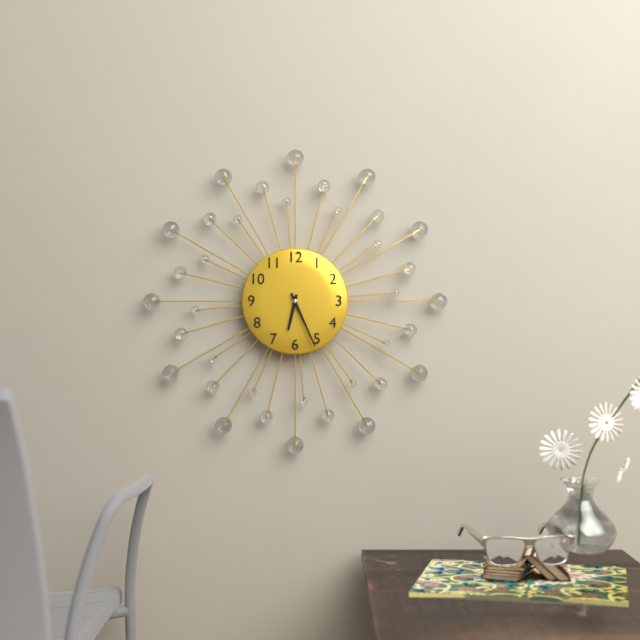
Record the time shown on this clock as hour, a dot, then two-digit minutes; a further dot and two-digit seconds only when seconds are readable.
6.26
